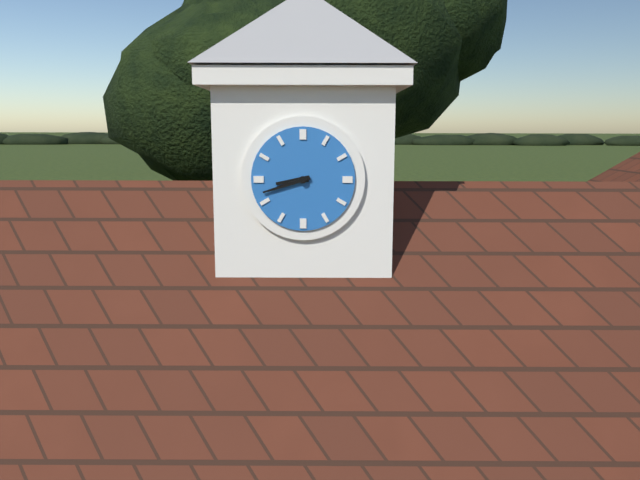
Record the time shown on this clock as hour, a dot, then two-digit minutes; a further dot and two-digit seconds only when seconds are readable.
8.42
